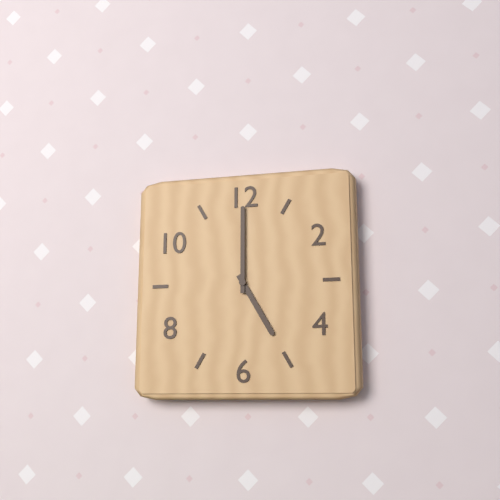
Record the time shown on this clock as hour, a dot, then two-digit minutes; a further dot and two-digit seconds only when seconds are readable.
5.00
